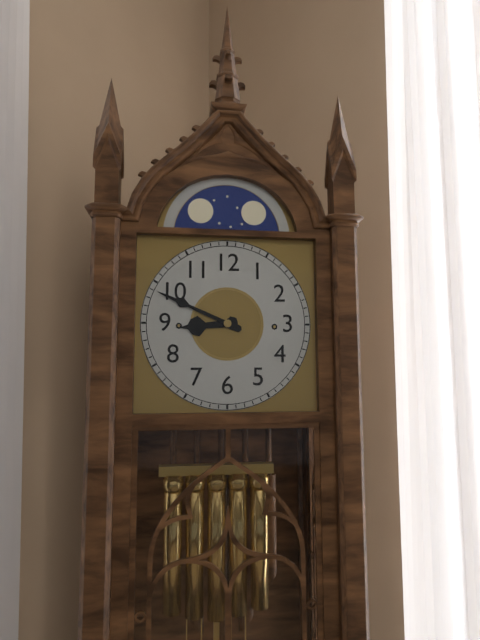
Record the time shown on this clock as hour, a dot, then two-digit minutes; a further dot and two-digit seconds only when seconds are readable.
8.49
